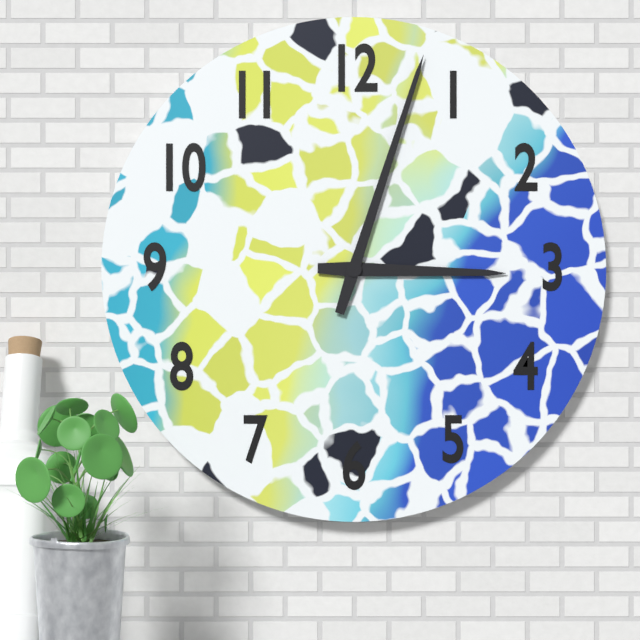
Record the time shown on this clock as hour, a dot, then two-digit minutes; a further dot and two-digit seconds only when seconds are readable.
3.03
